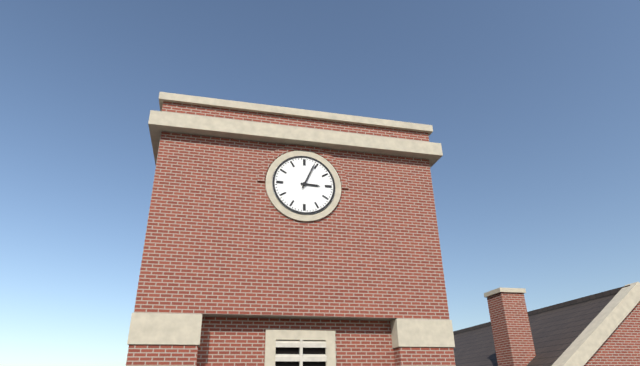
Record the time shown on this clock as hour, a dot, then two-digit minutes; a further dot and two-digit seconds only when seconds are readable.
3.04
